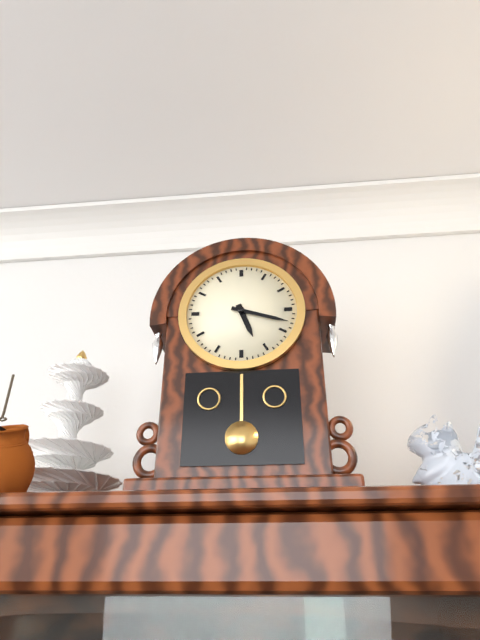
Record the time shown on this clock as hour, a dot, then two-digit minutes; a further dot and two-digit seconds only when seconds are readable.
5.18
